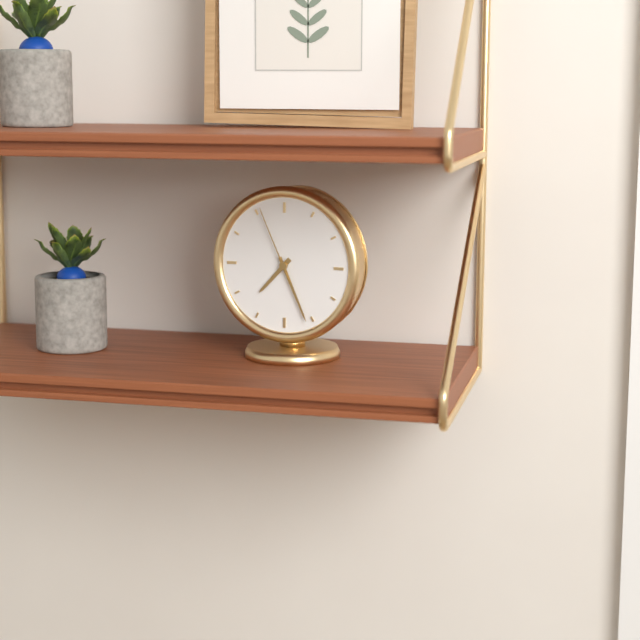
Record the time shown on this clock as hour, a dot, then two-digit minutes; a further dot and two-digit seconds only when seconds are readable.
7.26.56
